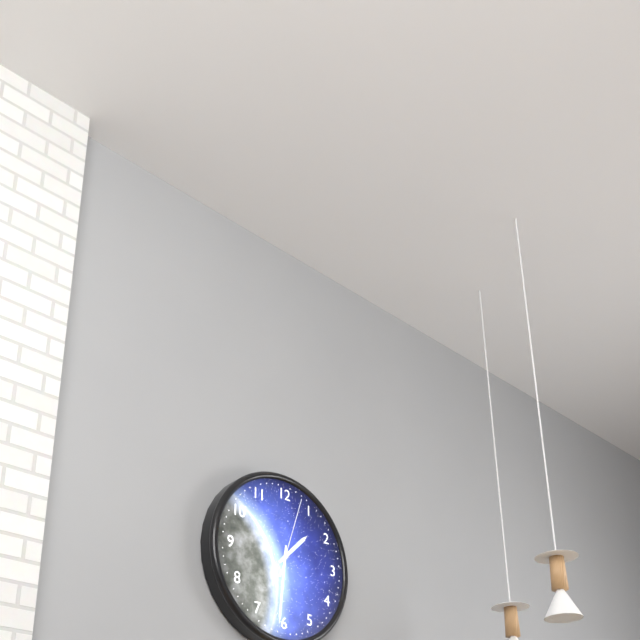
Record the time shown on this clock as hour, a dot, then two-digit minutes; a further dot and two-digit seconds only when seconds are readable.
1.31.03
